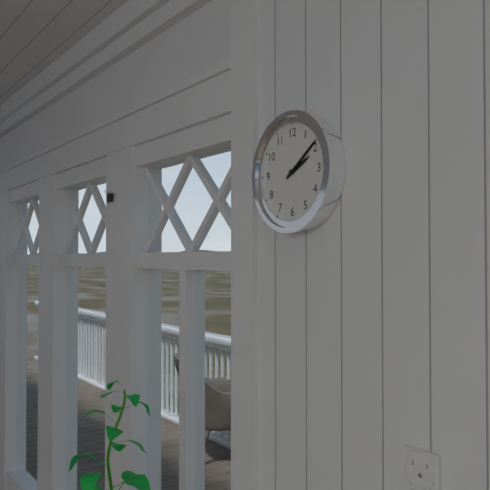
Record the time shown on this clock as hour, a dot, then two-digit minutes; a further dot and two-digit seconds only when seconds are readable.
2.09
